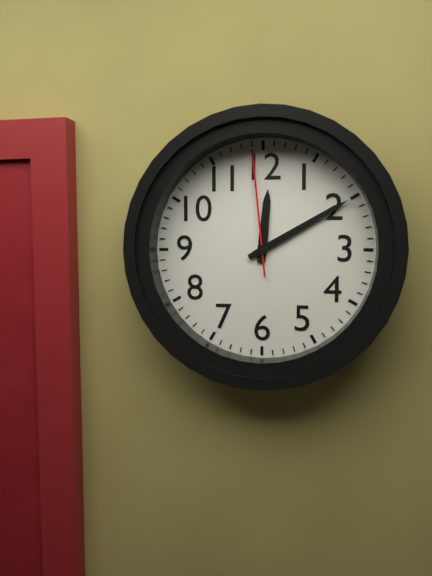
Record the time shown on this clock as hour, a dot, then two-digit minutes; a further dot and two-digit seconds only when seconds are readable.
12.10.59
